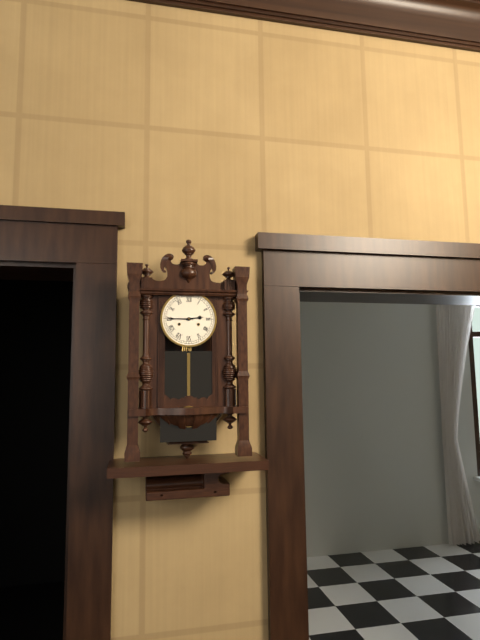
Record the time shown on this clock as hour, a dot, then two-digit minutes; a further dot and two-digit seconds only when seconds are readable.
2.45
